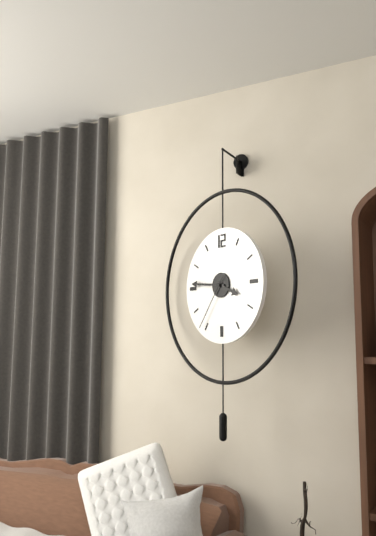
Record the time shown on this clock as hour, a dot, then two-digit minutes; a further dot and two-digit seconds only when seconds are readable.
3.46.36
